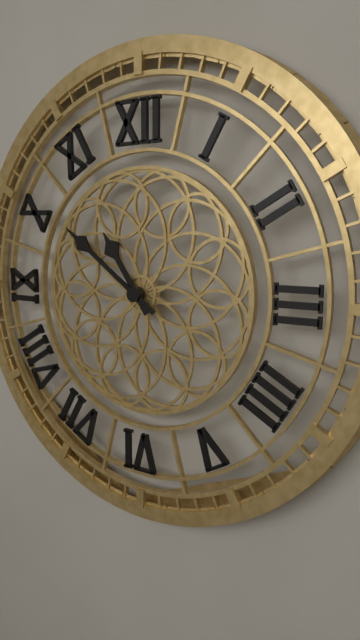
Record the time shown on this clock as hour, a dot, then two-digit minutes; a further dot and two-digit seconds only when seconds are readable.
10.51
